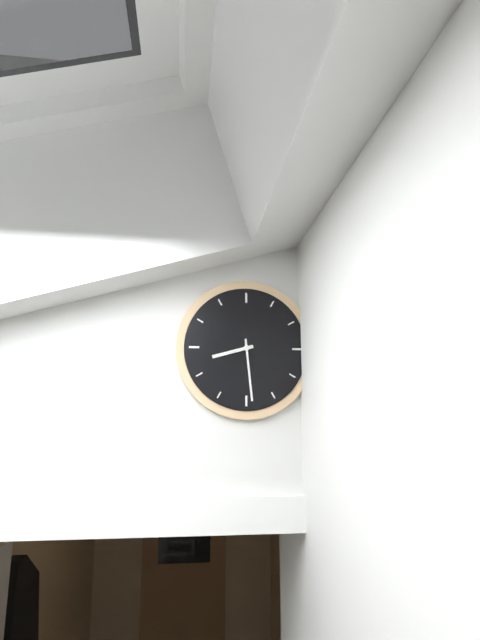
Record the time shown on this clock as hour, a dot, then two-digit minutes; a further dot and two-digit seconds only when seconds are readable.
8.29
